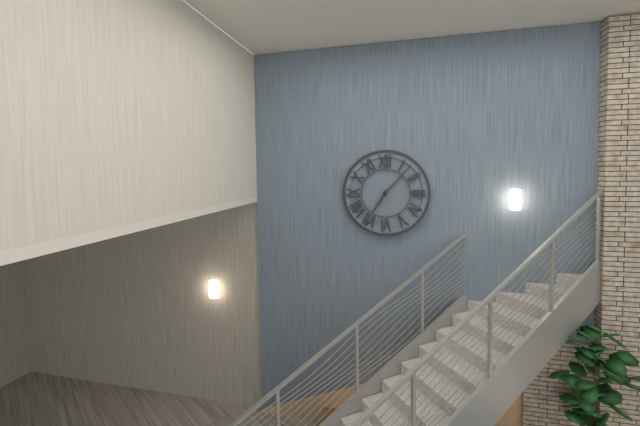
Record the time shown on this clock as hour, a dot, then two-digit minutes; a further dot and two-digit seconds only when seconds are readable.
7.07
